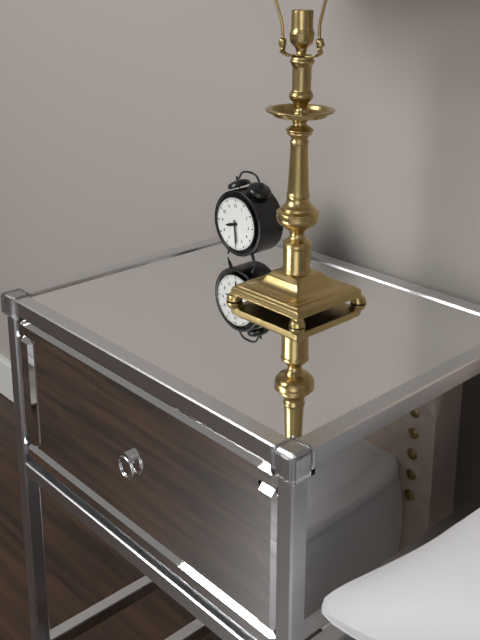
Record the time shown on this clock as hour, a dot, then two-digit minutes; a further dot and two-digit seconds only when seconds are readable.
8.29
